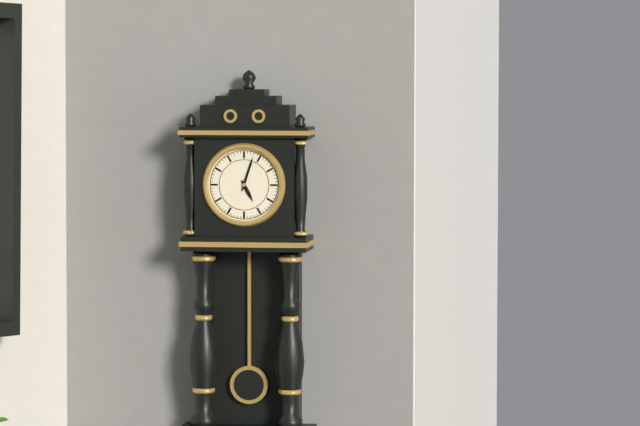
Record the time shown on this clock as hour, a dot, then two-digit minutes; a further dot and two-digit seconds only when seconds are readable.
5.03
